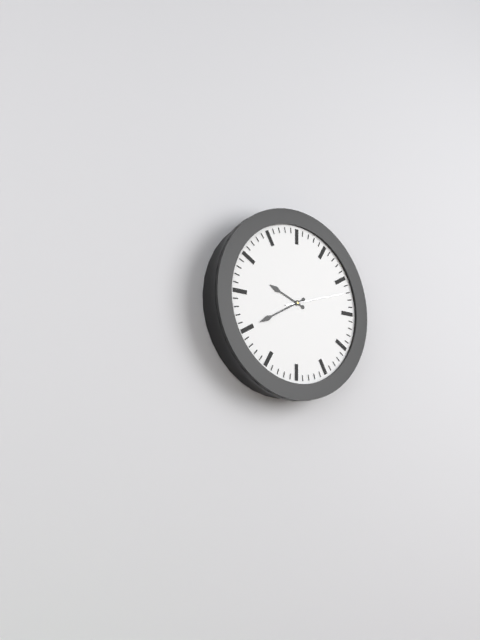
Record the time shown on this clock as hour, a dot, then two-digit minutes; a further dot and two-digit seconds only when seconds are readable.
9.40.12
